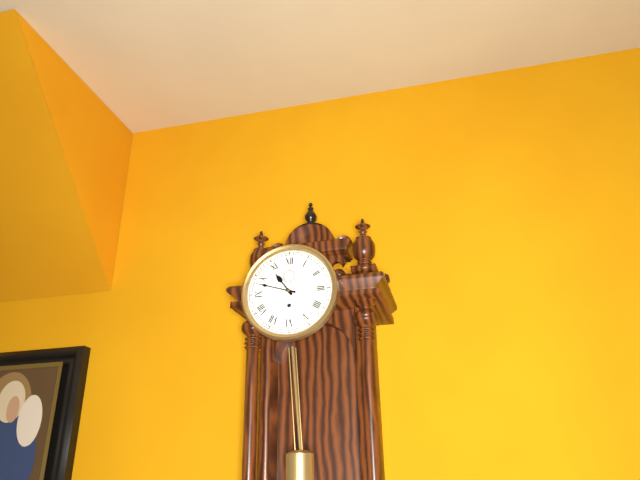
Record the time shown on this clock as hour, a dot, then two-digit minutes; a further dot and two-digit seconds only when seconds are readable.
10.48
